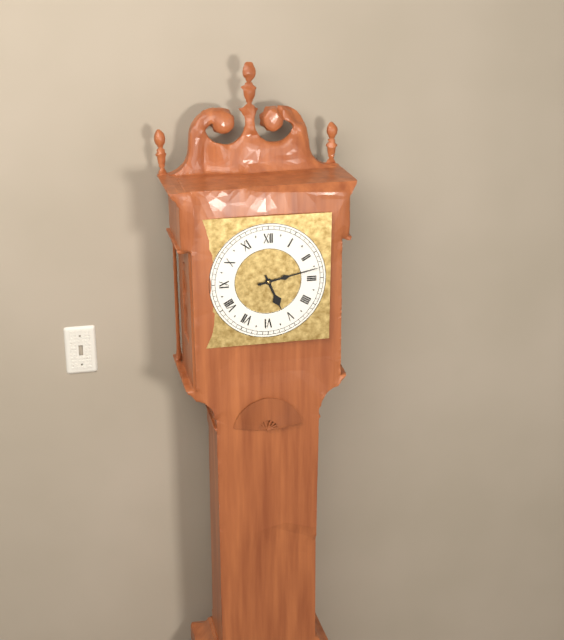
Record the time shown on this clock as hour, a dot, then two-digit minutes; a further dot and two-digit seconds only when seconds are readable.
5.13
